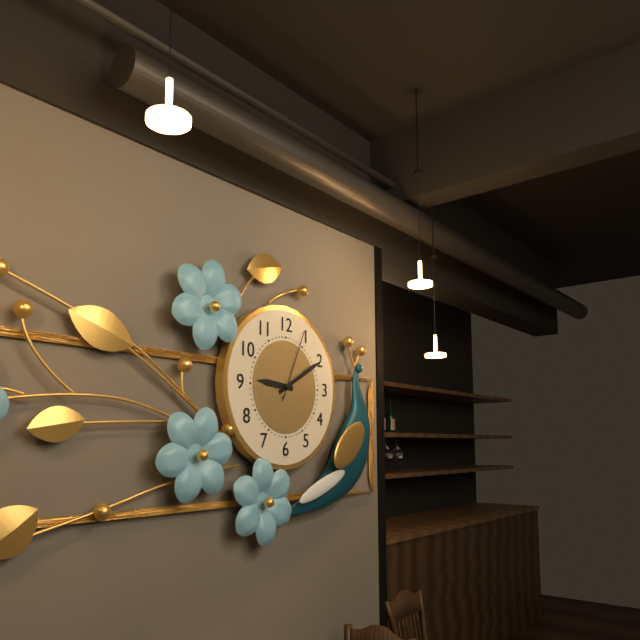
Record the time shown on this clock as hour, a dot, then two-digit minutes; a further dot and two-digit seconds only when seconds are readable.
9.10.04
